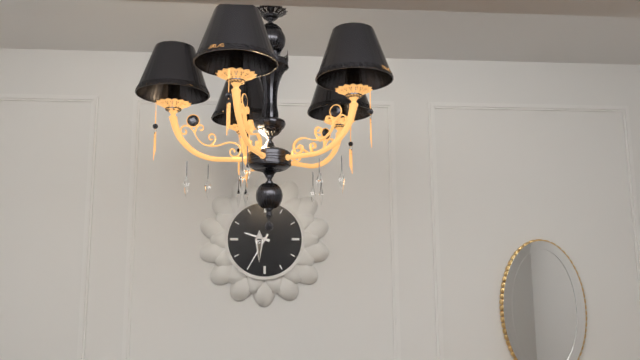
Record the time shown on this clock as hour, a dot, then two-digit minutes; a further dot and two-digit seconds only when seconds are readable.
9.35
